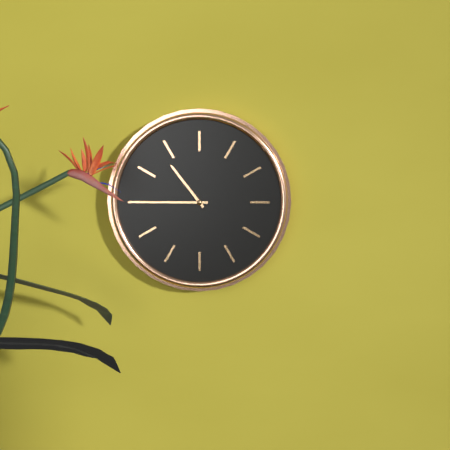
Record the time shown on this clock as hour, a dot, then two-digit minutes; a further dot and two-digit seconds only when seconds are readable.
10.45
